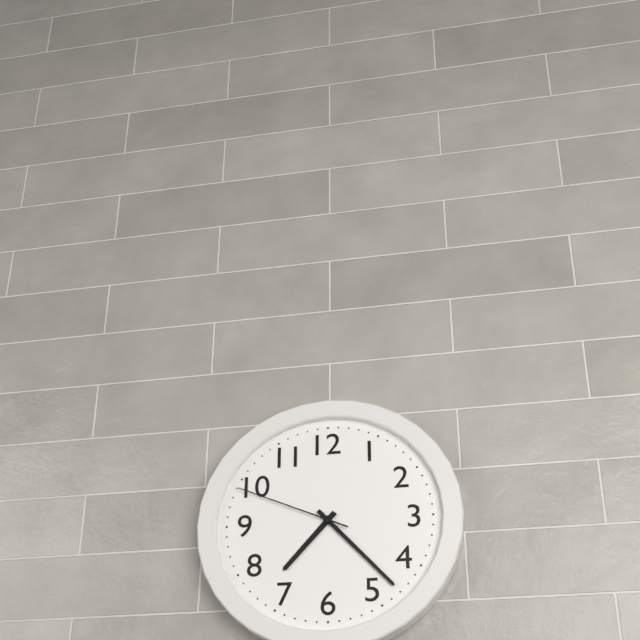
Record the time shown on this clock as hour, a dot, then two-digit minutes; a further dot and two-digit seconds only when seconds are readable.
7.23.49
